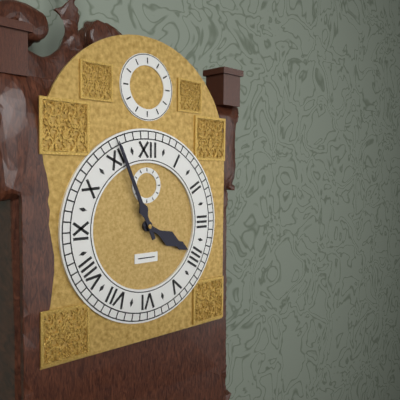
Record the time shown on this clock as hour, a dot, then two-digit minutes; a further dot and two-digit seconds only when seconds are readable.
3.56
